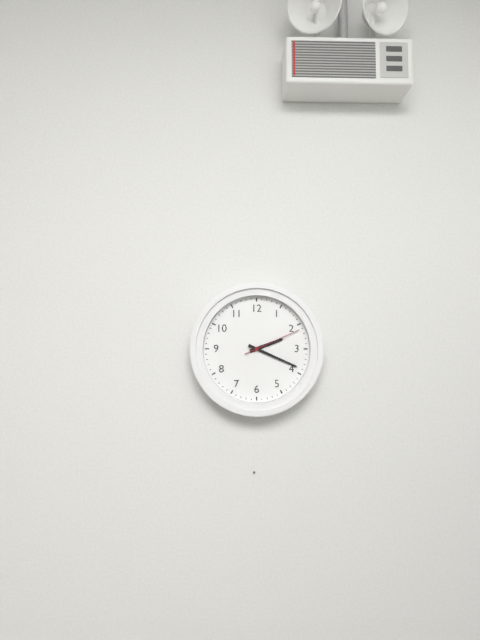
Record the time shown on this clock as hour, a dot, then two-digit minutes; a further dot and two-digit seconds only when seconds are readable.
2.19.11
